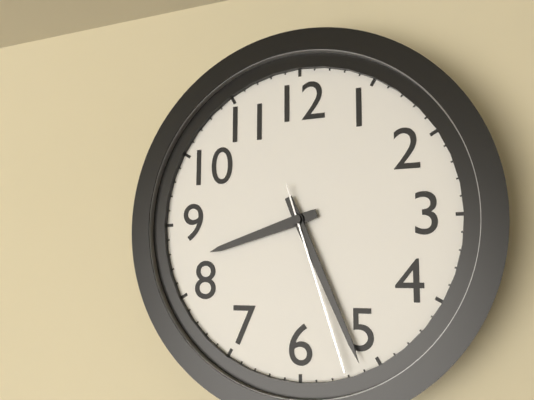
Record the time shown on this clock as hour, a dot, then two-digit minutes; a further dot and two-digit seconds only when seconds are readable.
8.26.27
